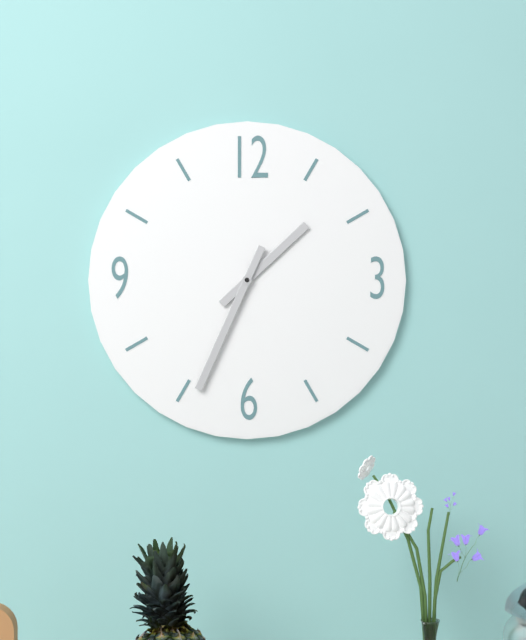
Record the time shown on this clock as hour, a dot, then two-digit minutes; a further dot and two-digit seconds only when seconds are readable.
1.34
